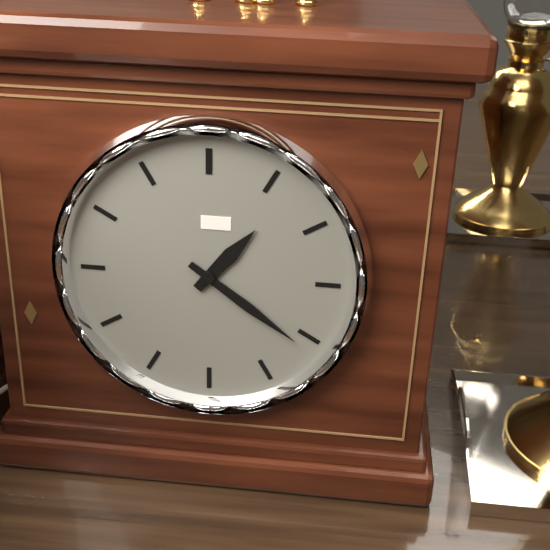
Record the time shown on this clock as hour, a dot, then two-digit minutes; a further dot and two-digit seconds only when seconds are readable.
1.21
